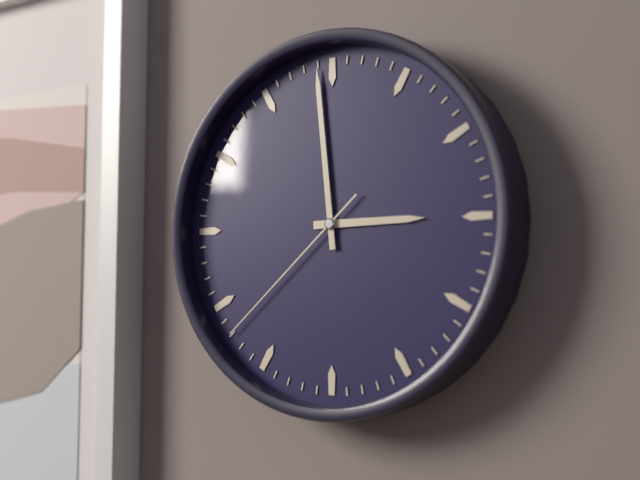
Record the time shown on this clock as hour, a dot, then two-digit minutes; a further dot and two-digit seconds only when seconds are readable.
2.59.38
